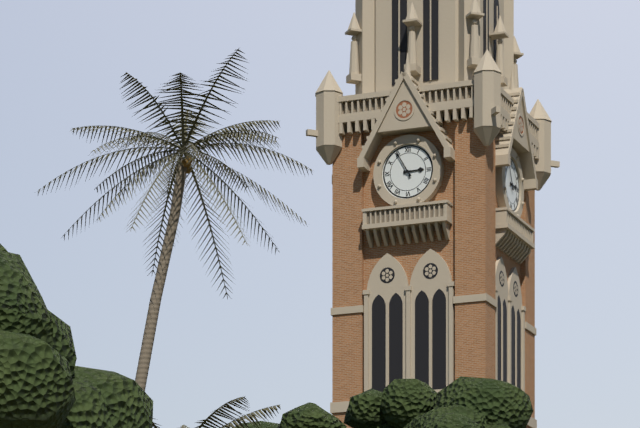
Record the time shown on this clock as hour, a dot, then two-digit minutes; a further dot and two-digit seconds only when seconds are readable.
2.55
